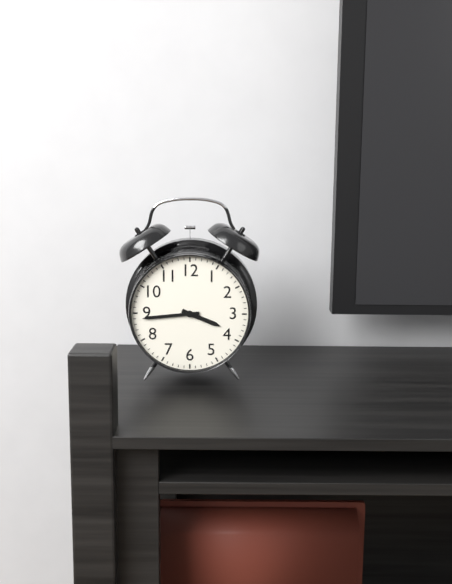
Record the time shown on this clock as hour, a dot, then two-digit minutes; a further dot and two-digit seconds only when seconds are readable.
3.44
